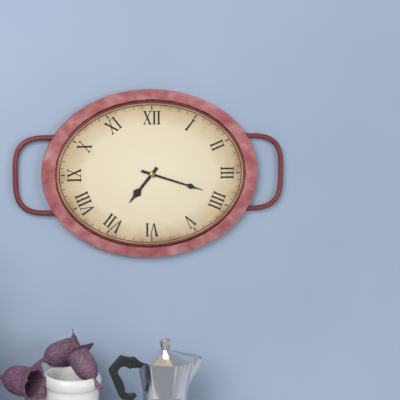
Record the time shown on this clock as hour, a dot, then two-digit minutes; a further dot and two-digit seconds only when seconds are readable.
7.18
